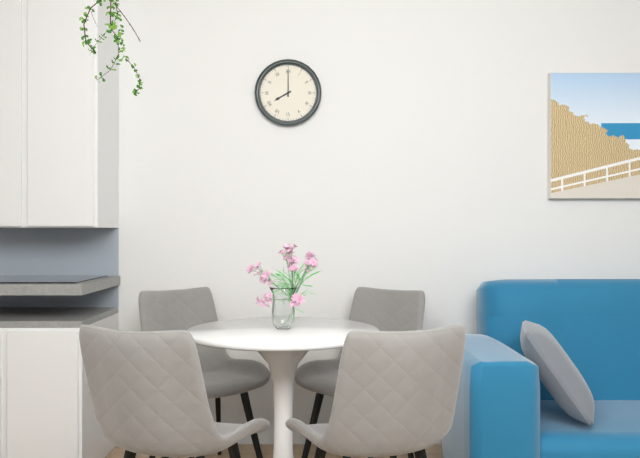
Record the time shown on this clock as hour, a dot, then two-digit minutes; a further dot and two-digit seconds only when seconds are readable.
8.00
